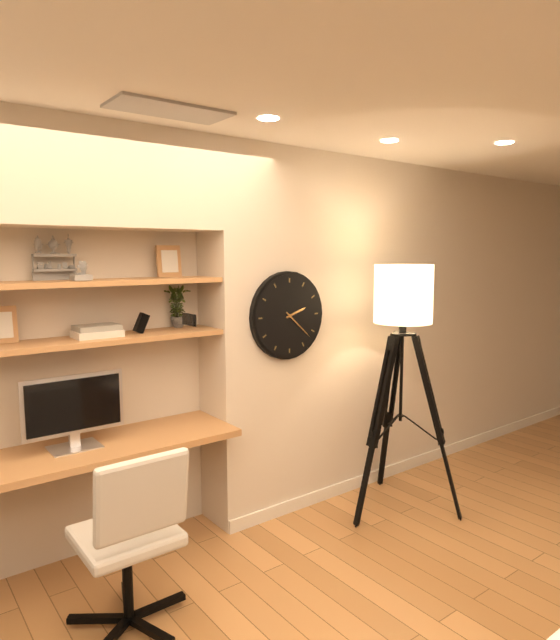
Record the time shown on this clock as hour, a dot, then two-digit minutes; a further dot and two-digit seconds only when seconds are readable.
2.22
